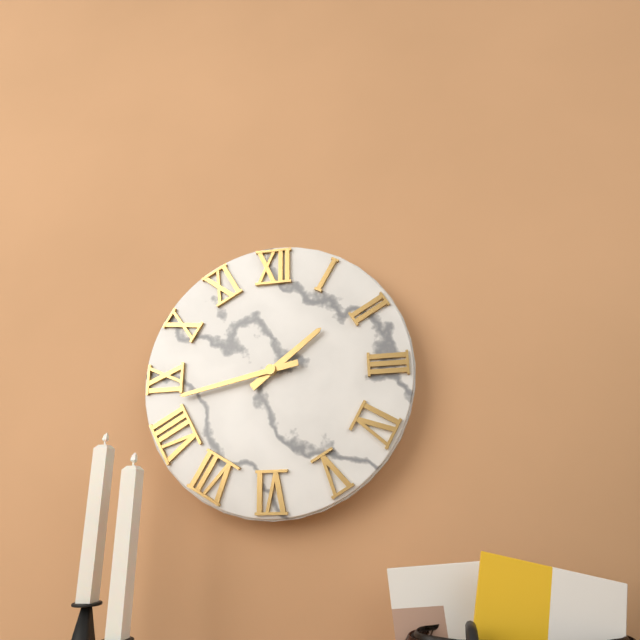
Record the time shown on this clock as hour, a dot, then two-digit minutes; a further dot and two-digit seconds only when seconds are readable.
1.43
